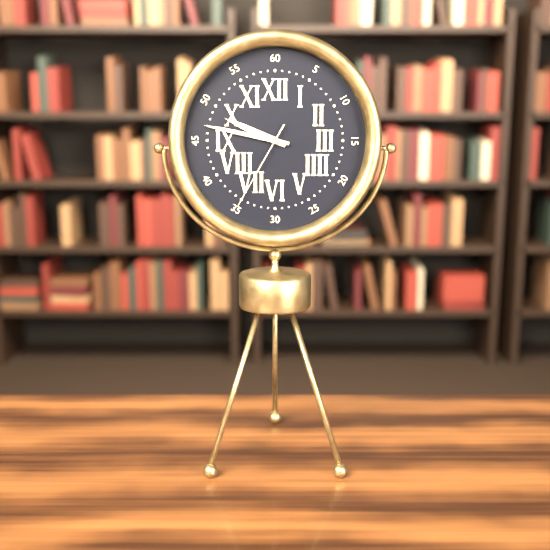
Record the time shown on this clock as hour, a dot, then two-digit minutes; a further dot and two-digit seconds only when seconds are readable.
9.47.35
